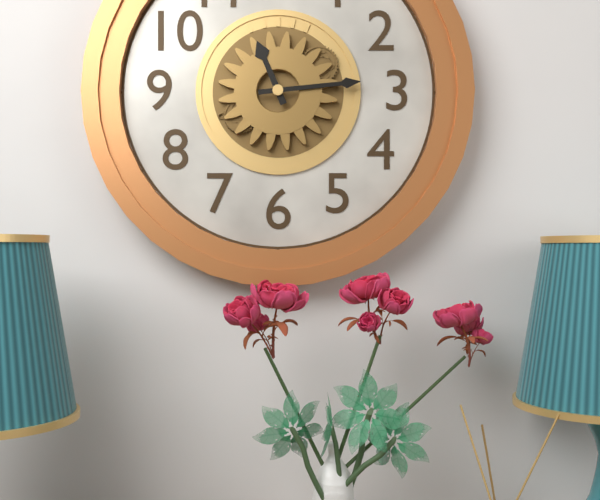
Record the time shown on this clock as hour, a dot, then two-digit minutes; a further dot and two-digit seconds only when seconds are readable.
11.14
